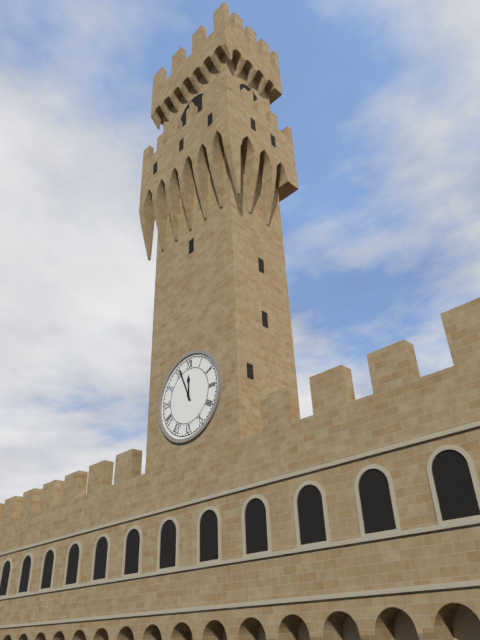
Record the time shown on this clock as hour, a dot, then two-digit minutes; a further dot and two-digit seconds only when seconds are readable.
11.56
